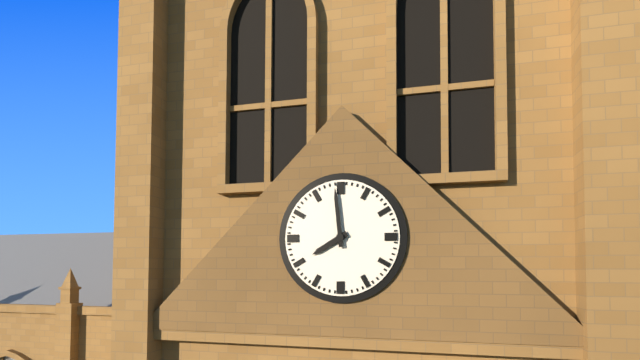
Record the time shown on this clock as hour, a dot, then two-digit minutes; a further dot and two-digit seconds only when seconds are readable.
7.59
